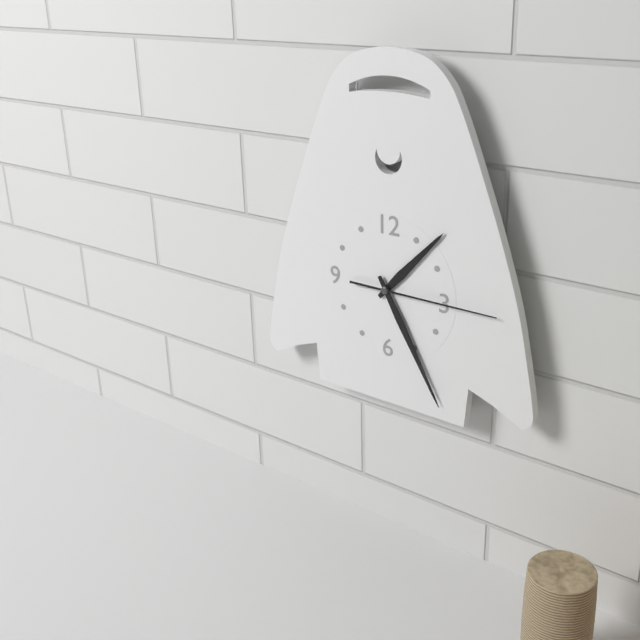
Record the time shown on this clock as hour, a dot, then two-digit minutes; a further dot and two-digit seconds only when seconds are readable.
1.25.15
